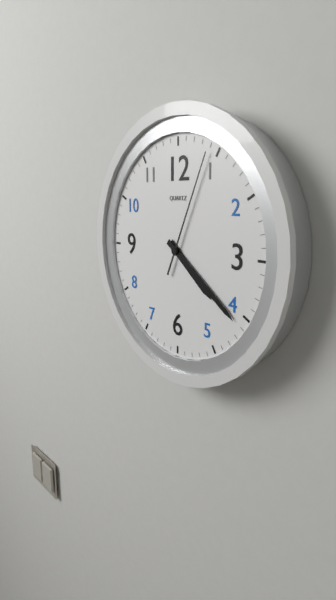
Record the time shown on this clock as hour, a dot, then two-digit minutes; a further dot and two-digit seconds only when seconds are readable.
4.21.04
